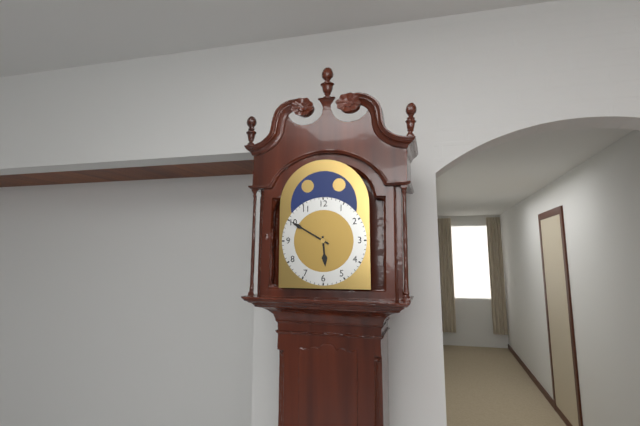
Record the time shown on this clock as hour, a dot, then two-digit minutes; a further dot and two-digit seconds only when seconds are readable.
5.50
